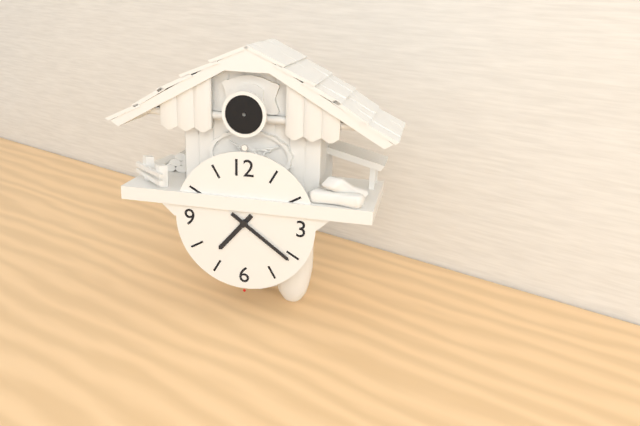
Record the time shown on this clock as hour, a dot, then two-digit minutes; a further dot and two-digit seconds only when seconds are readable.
7.21
